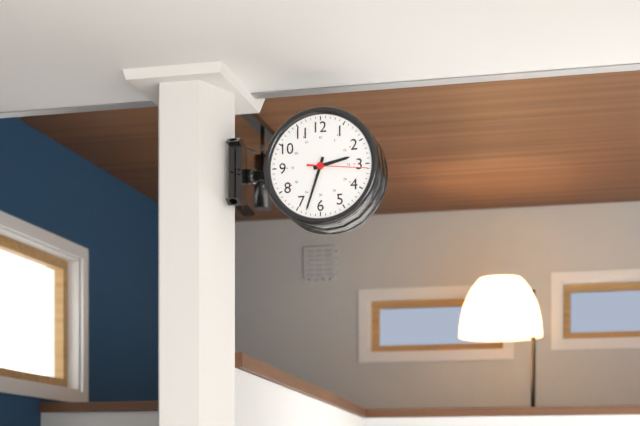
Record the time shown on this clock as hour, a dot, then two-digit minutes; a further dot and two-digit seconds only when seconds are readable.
2.33.16
